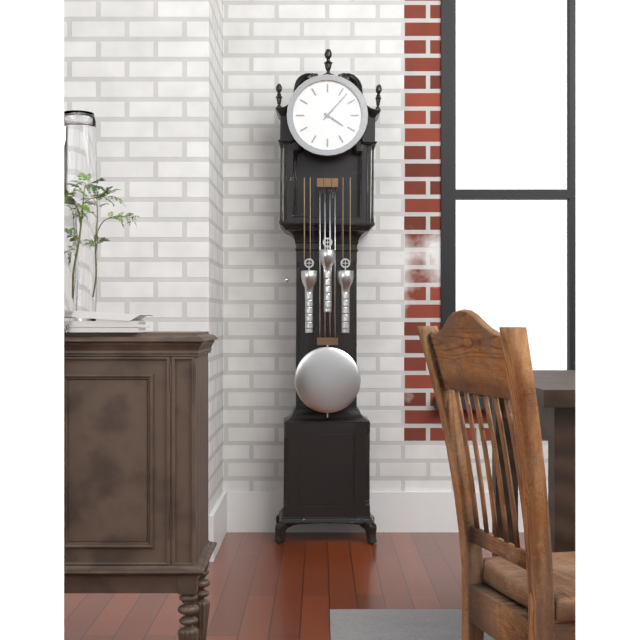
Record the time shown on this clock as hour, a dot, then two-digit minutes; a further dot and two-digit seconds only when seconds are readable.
4.07
